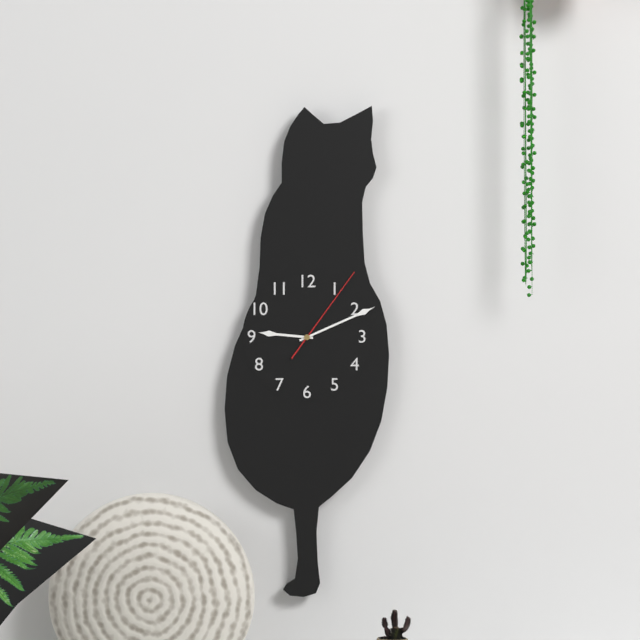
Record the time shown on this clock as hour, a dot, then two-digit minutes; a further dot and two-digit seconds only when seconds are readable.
9.11.06
